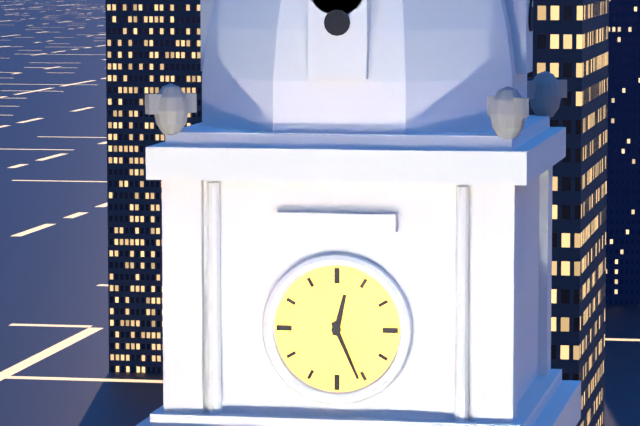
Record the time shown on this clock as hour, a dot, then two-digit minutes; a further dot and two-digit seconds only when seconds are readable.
12.26
